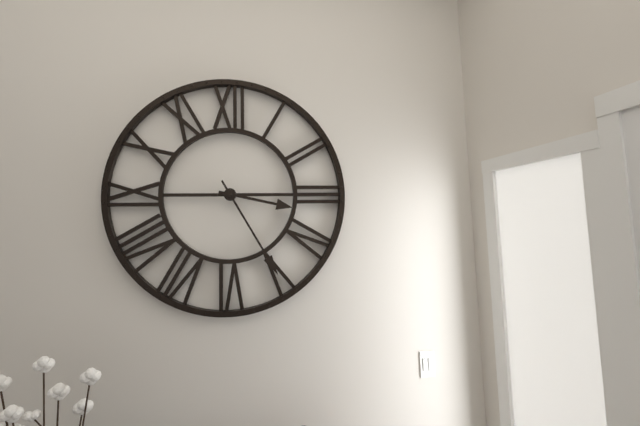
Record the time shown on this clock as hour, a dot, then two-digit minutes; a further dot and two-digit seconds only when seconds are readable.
3.25
